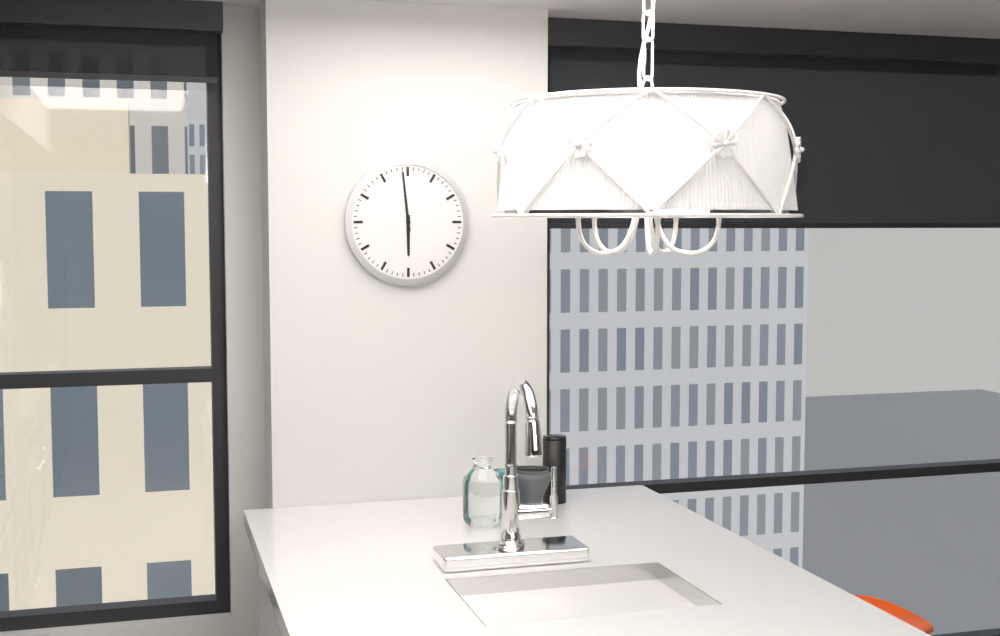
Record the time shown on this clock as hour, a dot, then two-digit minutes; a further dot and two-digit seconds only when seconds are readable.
5.59
